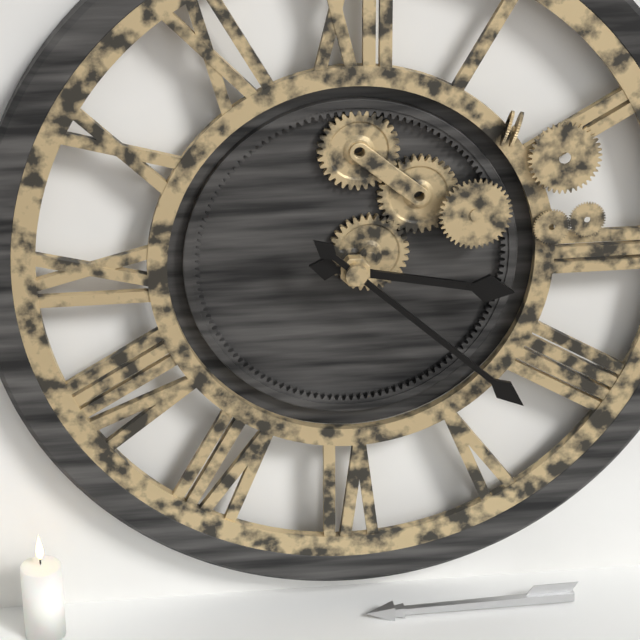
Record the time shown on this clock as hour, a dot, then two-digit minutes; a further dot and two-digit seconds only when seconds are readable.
3.22
